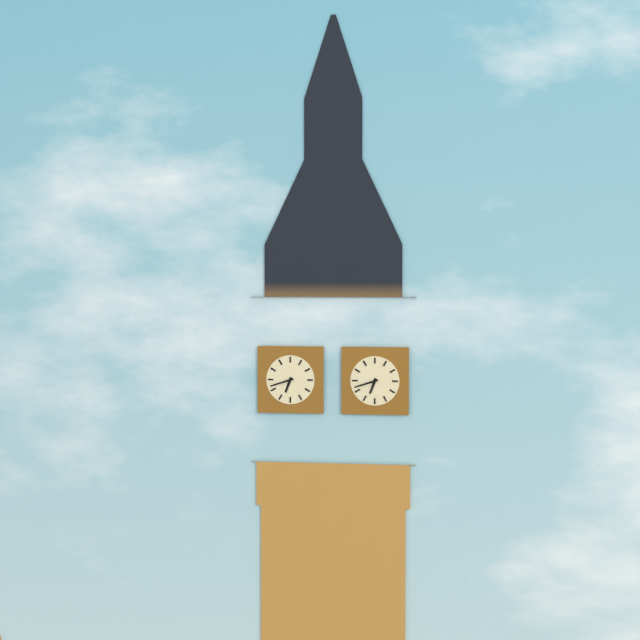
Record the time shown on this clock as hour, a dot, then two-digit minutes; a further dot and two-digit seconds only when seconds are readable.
6.42
